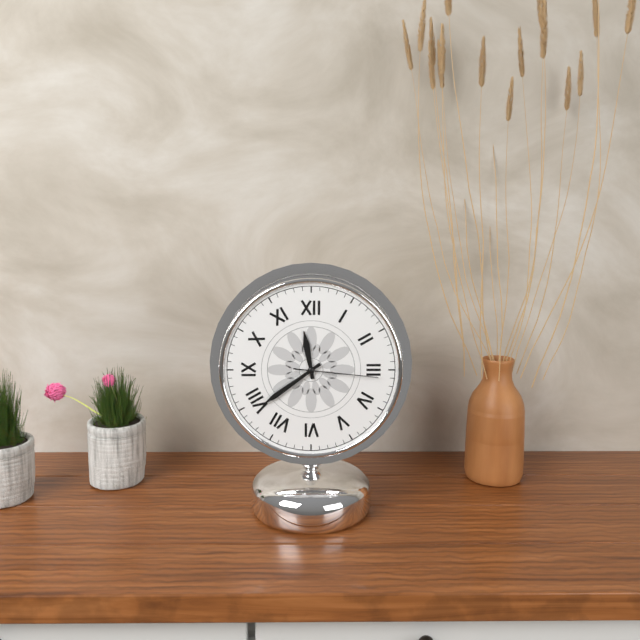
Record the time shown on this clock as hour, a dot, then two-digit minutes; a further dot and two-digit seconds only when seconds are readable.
11.39.16
